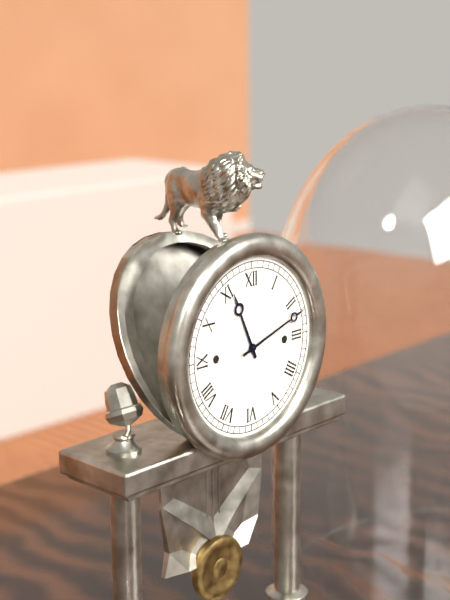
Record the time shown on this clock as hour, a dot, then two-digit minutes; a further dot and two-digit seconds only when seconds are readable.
11.12
